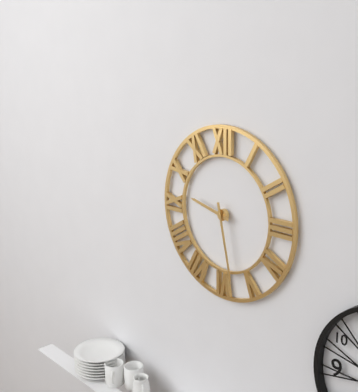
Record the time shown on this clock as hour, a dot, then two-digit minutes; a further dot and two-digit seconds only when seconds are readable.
9.28
